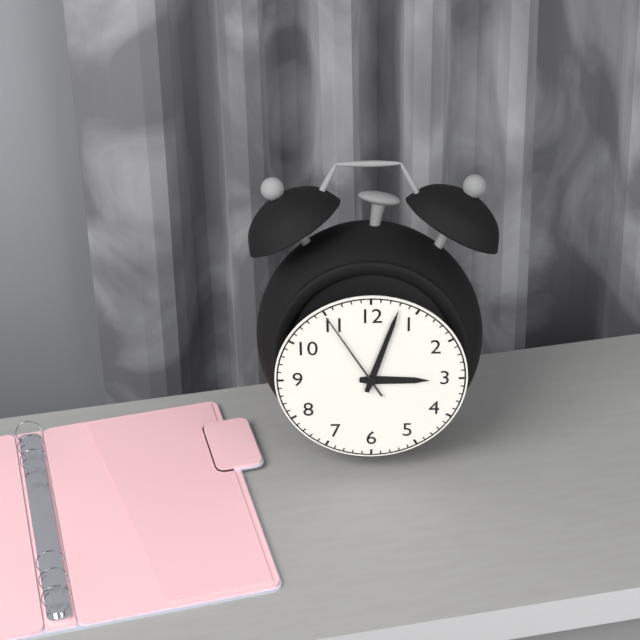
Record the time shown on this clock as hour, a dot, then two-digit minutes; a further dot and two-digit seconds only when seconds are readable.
3.03.55
